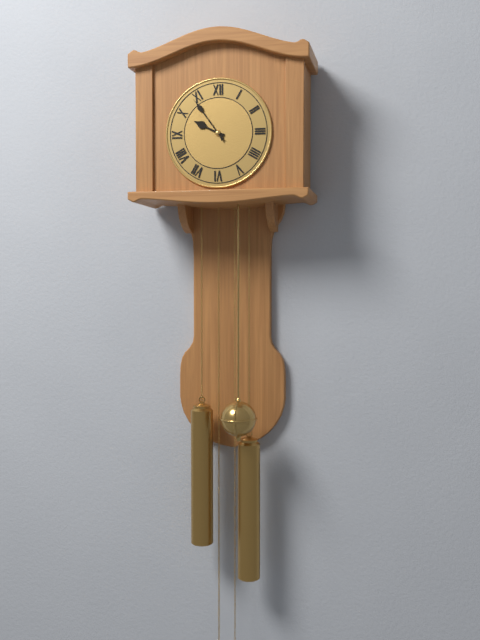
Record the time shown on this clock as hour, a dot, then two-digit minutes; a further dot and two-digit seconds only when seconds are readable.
9.54
